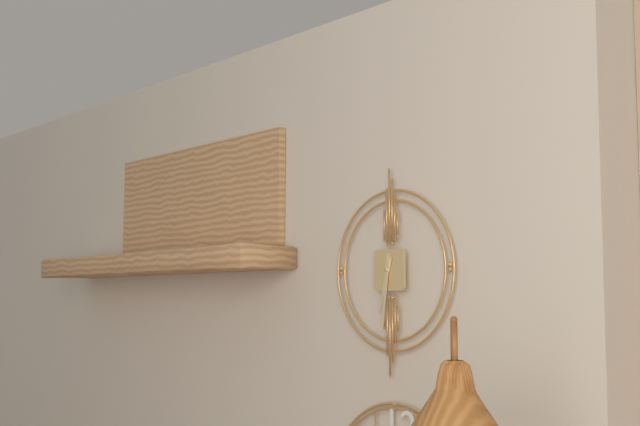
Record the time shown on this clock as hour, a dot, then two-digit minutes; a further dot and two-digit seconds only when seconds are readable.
6.31
